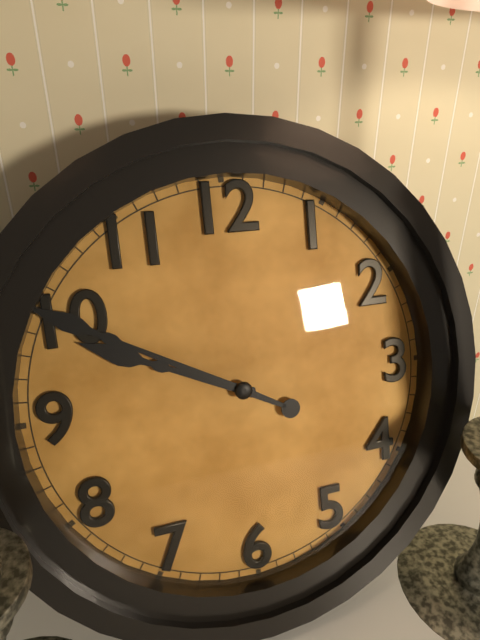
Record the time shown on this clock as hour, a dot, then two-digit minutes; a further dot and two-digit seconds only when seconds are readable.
9.50
